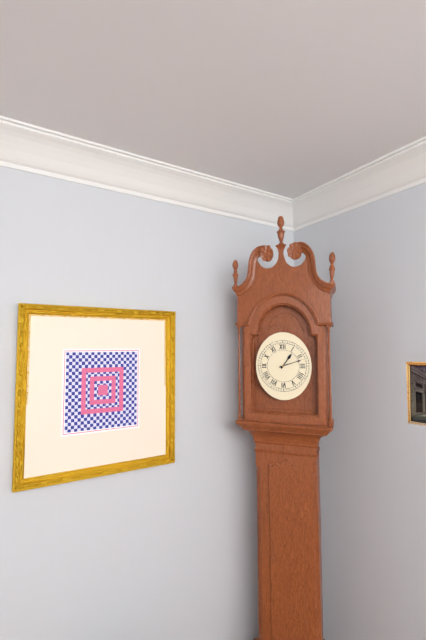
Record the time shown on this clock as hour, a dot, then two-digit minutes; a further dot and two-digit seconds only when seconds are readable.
1.12
